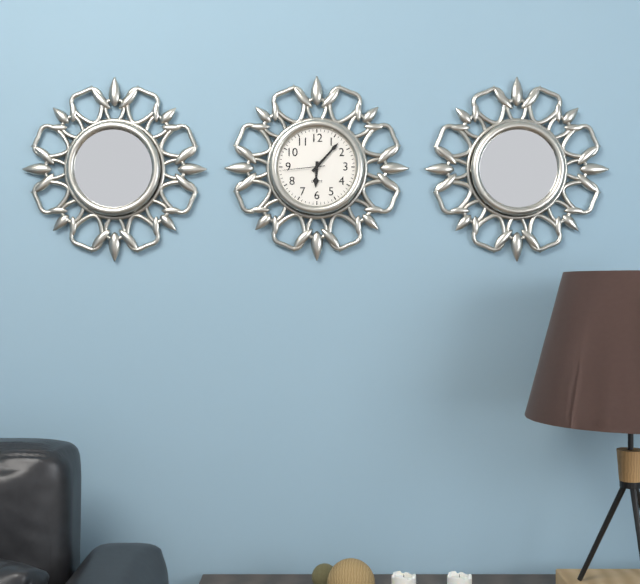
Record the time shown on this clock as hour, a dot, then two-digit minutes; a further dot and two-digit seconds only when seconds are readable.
6.07
